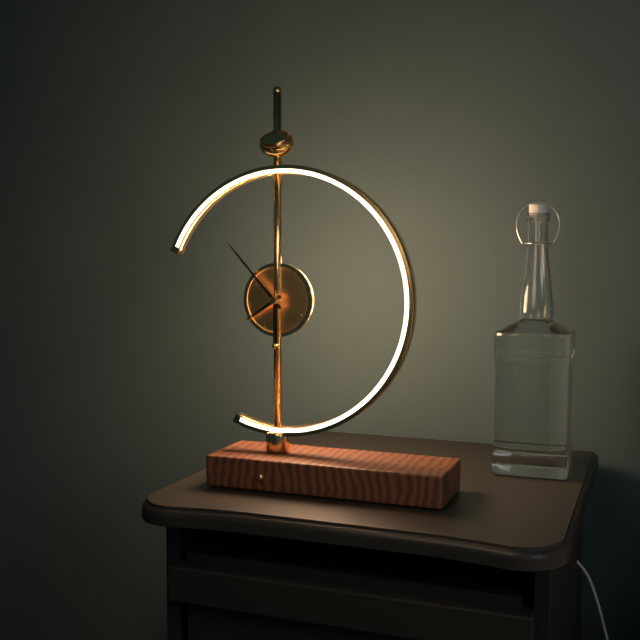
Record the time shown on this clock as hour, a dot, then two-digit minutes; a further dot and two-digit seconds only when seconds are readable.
7.53
